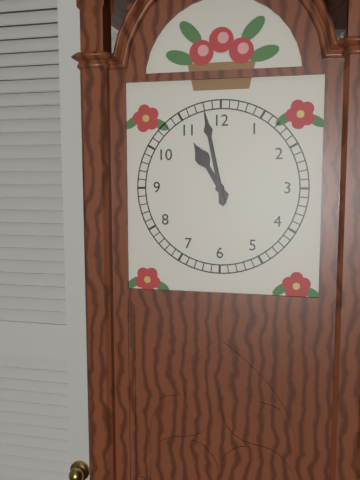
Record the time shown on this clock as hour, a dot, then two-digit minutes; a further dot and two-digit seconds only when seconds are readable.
10.58
